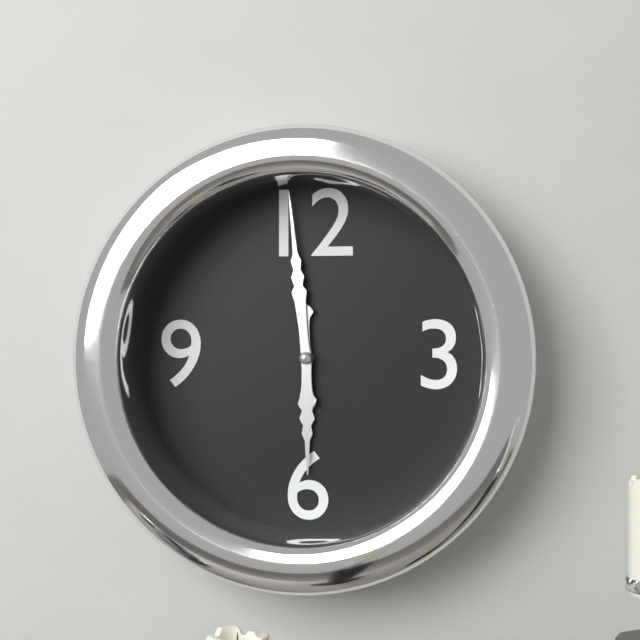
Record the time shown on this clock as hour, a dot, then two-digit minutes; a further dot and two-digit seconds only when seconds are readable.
5.59
